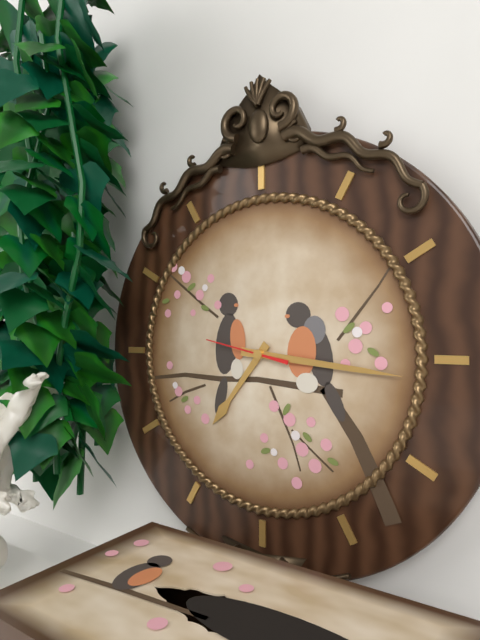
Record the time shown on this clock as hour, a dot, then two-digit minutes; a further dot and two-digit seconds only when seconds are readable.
7.16.47
